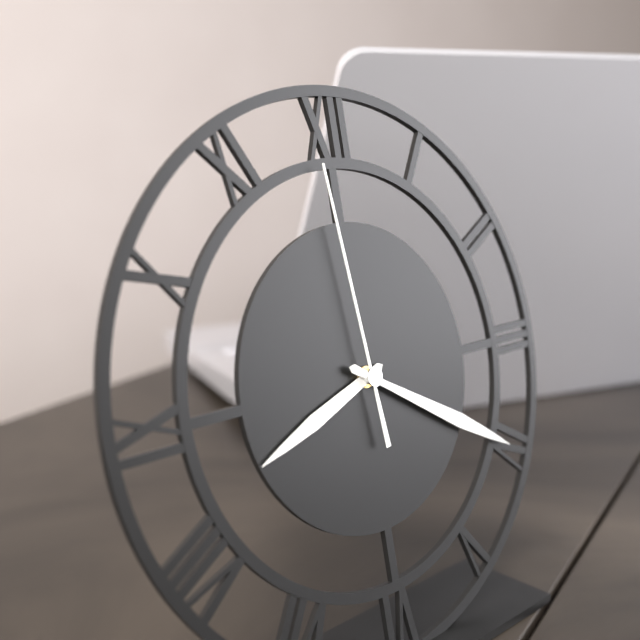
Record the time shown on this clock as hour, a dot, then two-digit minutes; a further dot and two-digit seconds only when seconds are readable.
8.20.59
